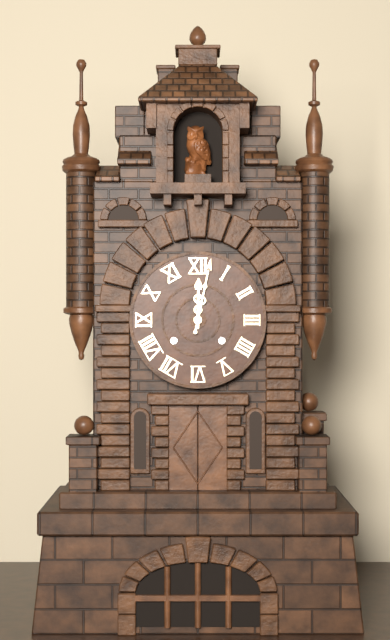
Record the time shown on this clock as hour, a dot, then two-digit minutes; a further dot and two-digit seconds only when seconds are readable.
12.02
